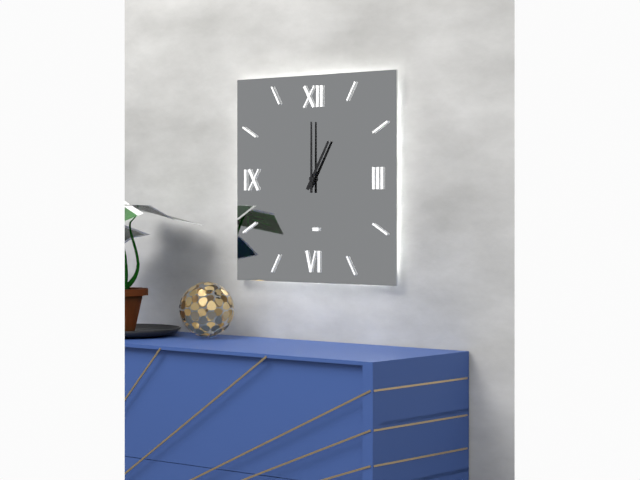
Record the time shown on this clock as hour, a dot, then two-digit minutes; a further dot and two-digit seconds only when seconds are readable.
1.00
